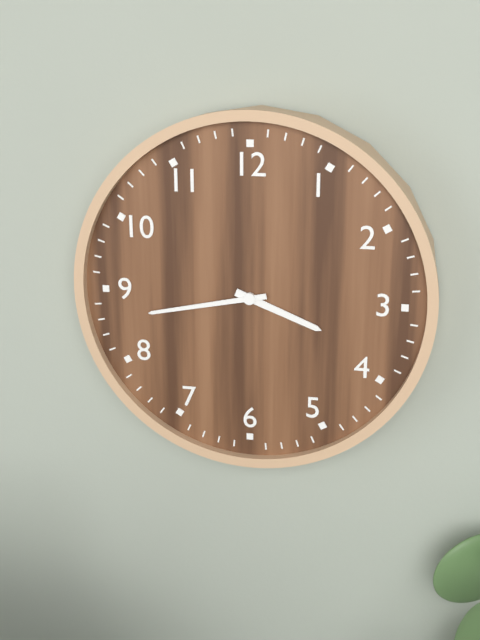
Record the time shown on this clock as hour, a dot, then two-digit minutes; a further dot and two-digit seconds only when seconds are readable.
3.43
